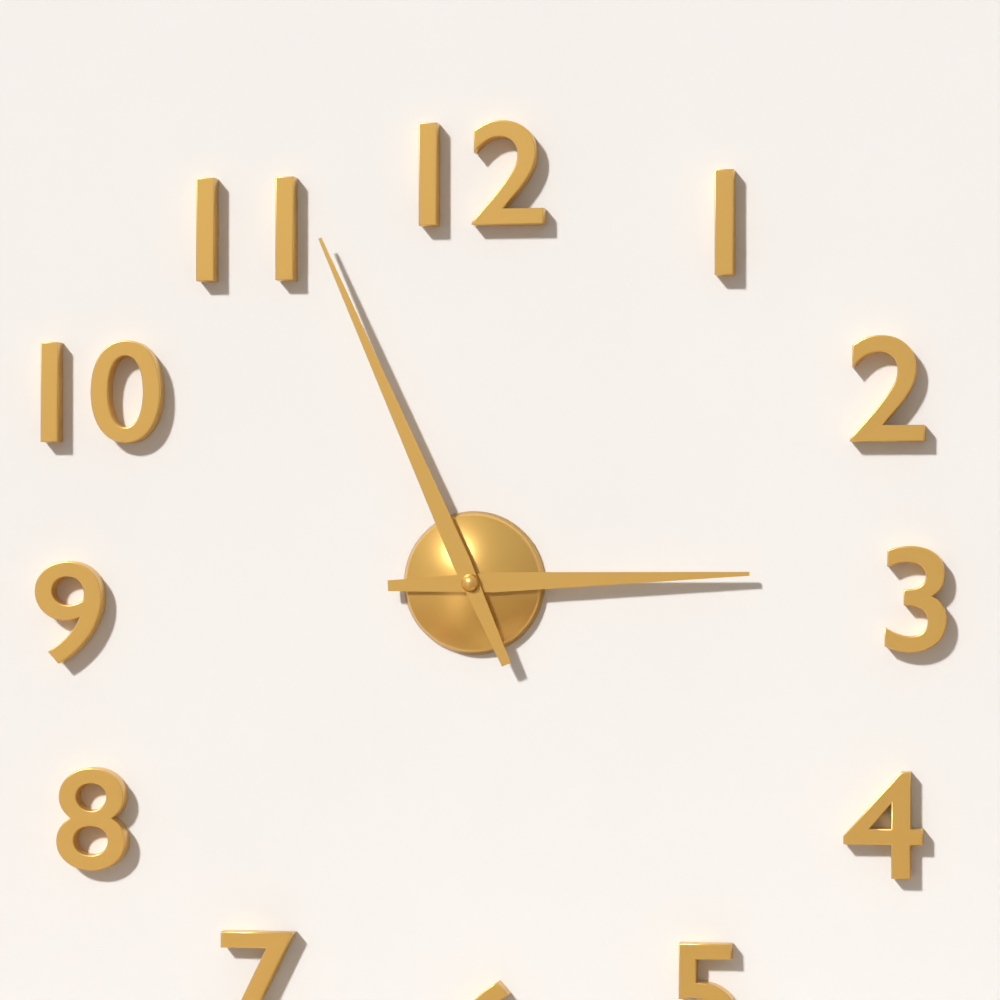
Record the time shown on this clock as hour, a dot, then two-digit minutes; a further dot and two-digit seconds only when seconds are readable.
2.56
